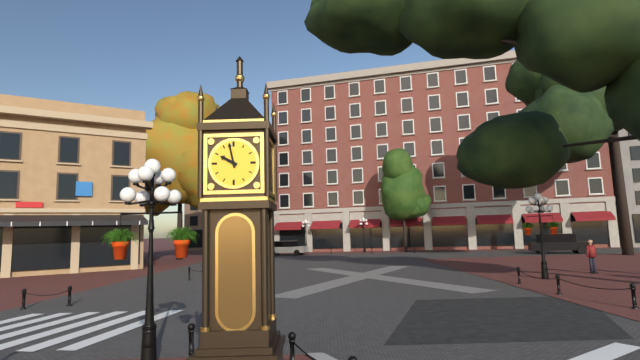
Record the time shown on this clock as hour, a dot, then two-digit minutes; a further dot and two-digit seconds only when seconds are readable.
9.58
